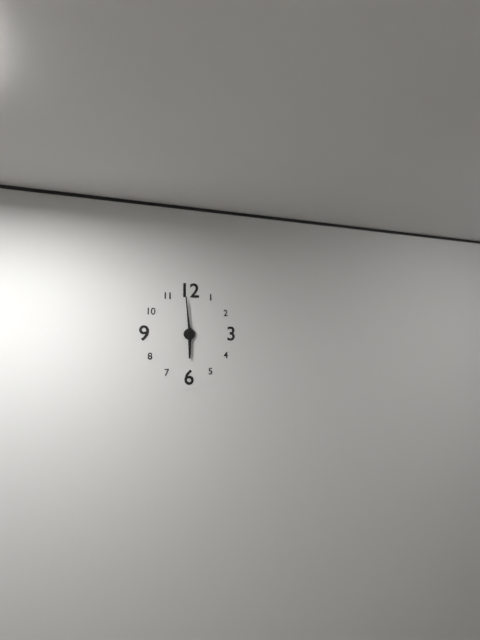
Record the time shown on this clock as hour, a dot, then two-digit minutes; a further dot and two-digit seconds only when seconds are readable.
5.59
